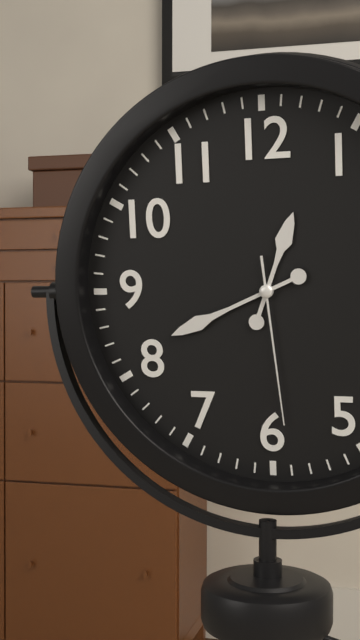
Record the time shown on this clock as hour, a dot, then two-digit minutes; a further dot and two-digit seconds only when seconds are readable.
12.41.29
